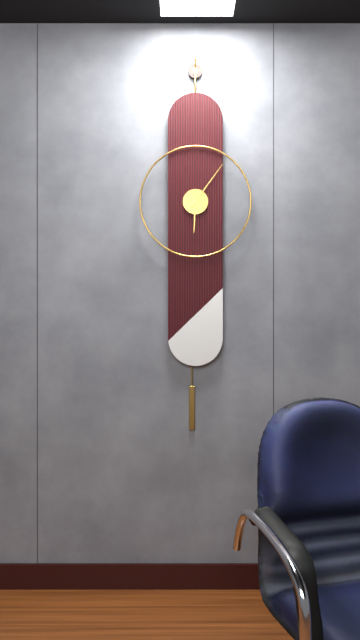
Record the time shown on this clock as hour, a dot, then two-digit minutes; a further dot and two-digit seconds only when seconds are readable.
6.06
